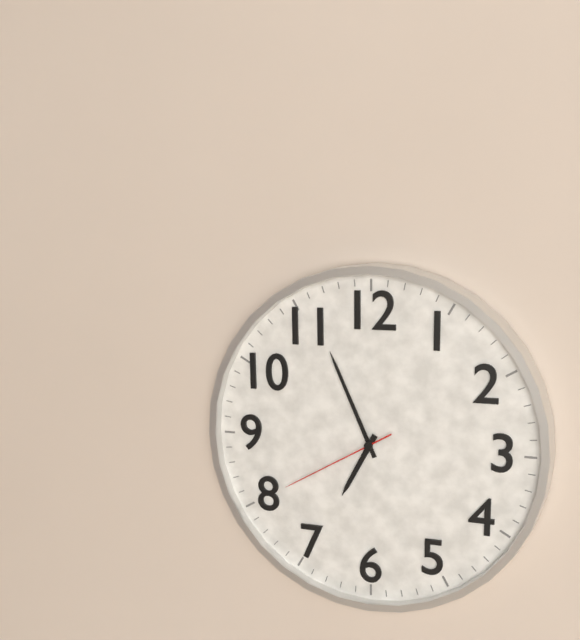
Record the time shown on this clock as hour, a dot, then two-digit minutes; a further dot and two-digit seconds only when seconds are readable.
6.56.40
